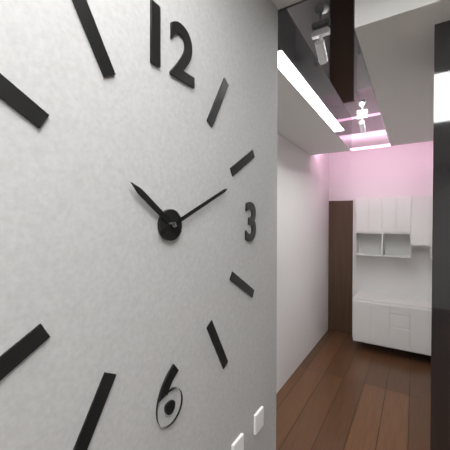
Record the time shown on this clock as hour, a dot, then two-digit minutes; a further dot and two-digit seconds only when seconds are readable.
10.11
